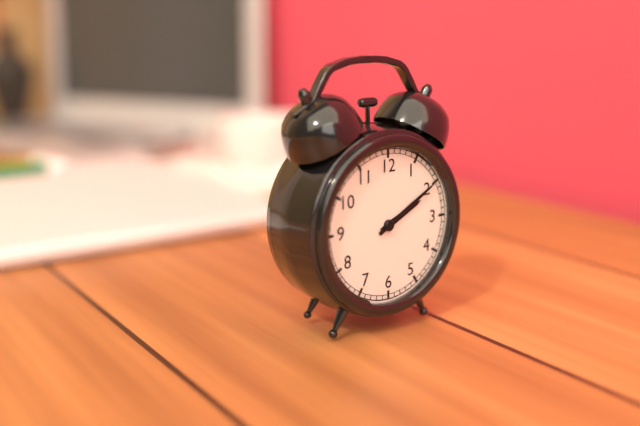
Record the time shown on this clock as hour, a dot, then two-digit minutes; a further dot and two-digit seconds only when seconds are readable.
2.10
